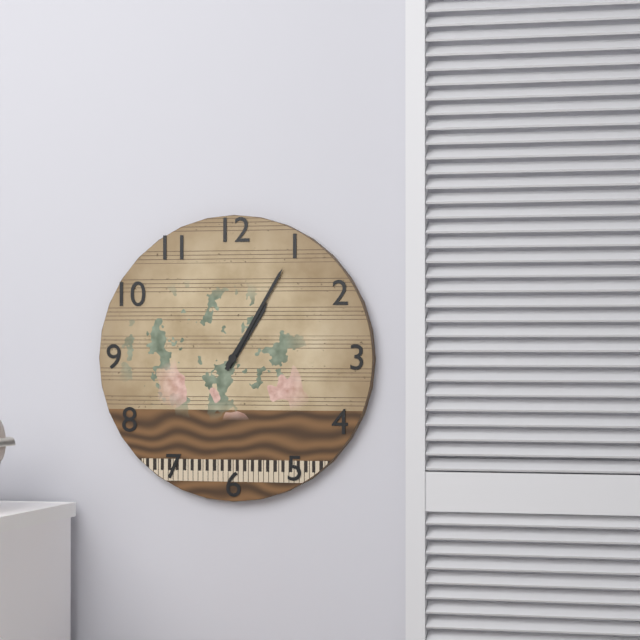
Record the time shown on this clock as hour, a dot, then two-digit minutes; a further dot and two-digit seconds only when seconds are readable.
1.05
